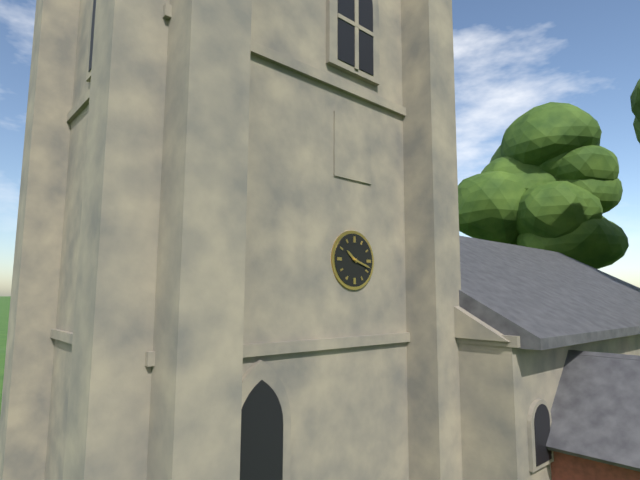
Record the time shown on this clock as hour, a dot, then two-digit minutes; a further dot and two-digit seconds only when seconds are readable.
10.18
